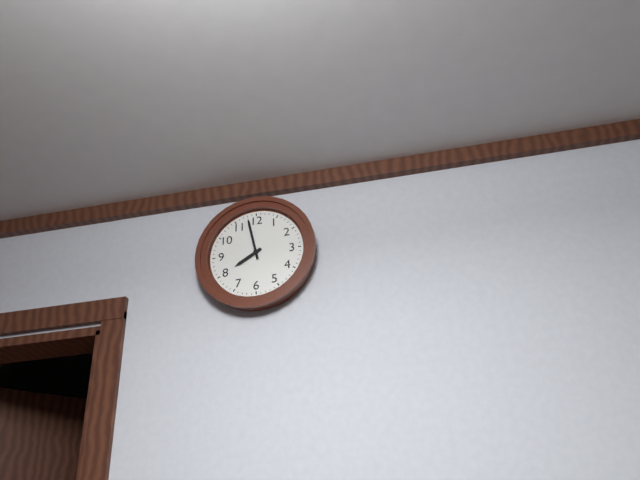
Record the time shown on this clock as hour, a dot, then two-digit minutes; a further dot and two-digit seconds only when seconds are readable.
7.58
